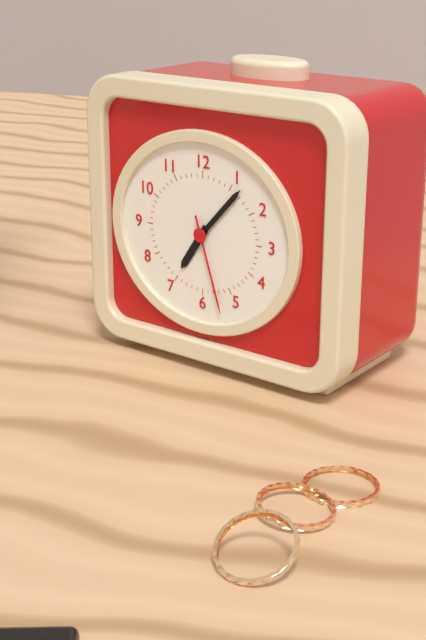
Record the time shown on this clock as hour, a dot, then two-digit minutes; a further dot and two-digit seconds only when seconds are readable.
7.07.27
